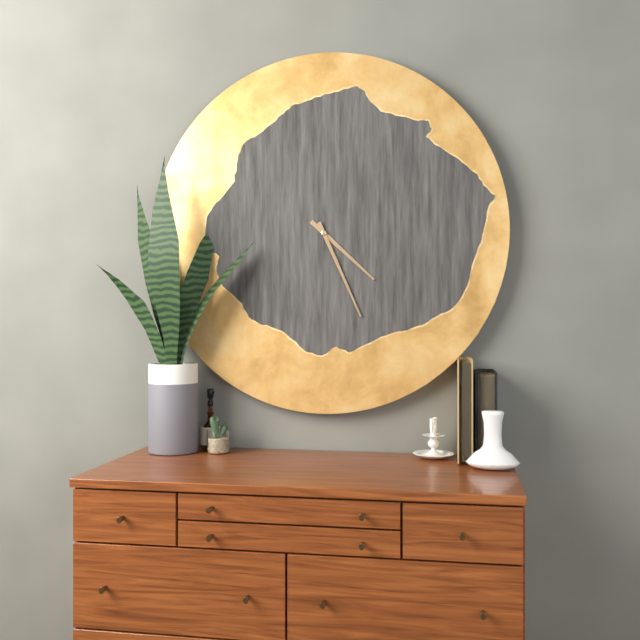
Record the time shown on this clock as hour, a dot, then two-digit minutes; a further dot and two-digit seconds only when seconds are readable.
4.26
